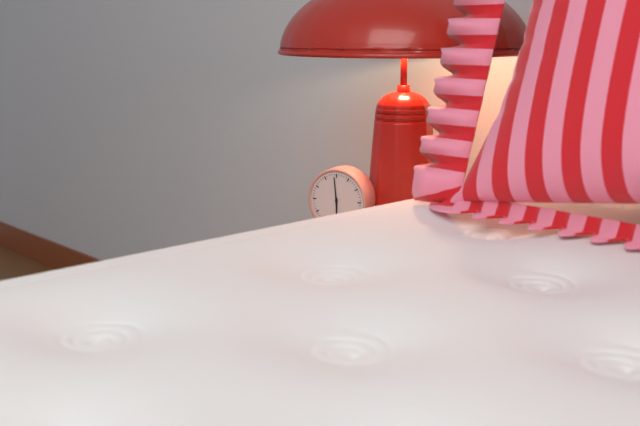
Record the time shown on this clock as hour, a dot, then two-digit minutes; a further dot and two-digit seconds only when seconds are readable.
5.59
